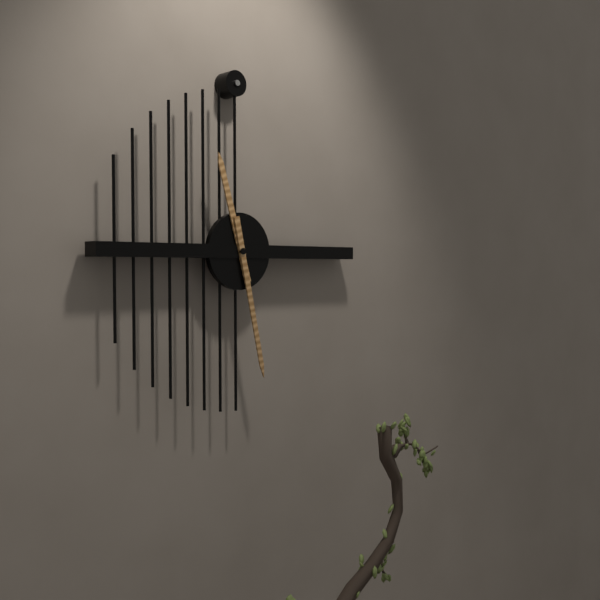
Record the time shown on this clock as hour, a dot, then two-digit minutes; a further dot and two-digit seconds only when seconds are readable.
11.28
